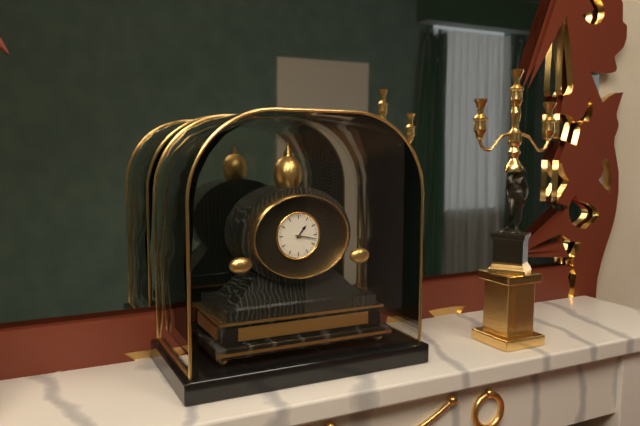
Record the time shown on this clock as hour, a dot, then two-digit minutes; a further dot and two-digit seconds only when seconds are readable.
1.17
